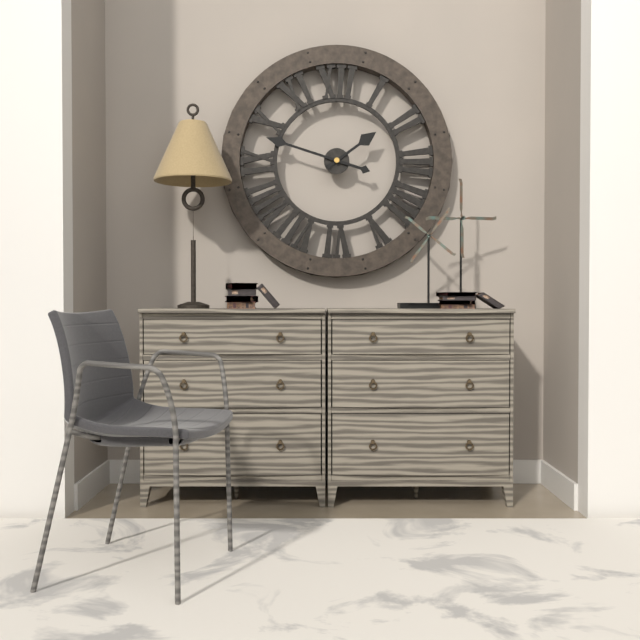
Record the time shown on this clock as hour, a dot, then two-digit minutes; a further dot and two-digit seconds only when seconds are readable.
1.48
